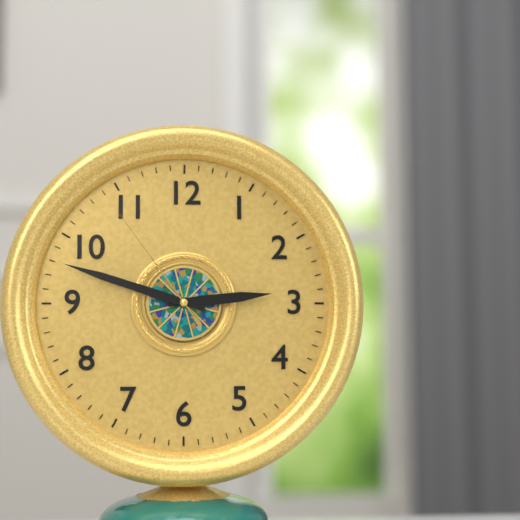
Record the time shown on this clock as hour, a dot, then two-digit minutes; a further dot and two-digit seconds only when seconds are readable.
2.48.54
